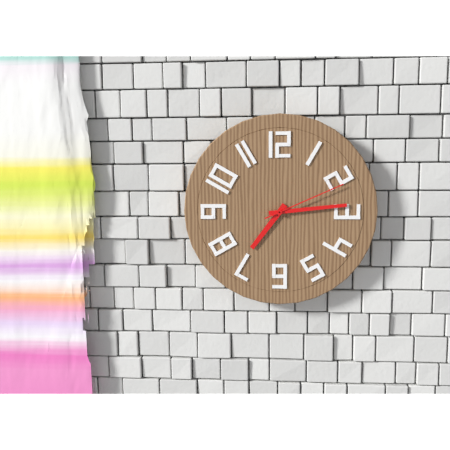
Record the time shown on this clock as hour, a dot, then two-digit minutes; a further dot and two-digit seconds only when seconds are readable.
7.14.11
